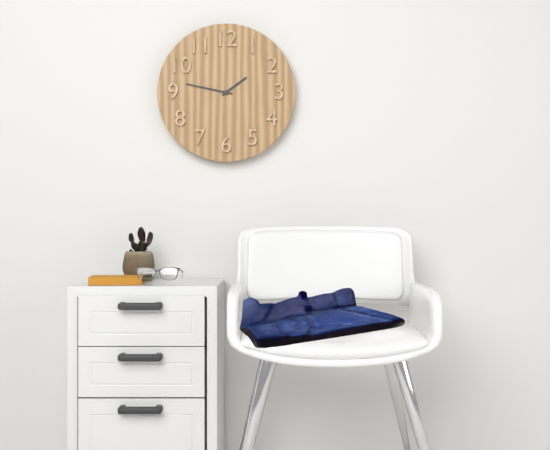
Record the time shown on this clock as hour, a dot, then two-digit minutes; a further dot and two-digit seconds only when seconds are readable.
1.47
